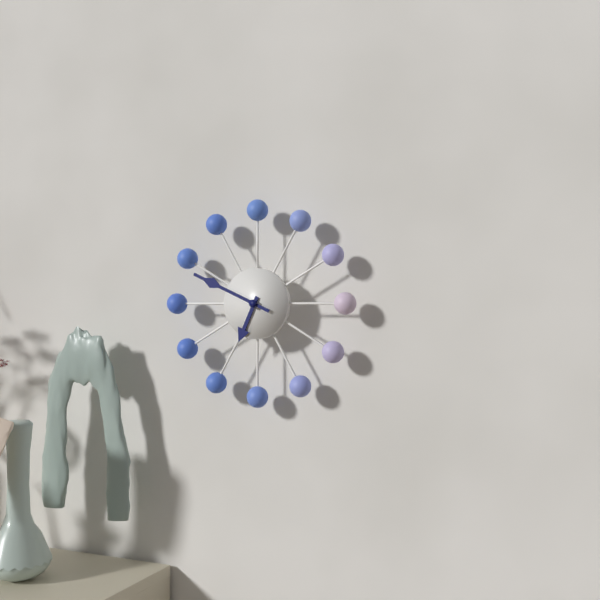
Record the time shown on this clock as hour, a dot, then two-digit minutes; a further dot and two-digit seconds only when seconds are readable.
6.49
